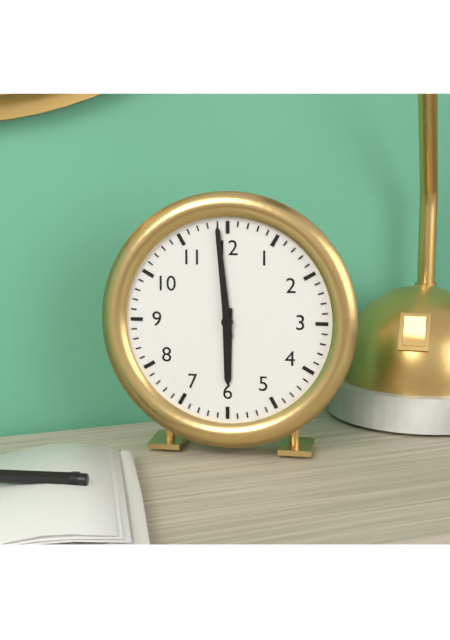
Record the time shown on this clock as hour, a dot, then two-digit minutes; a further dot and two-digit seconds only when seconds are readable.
5.59
